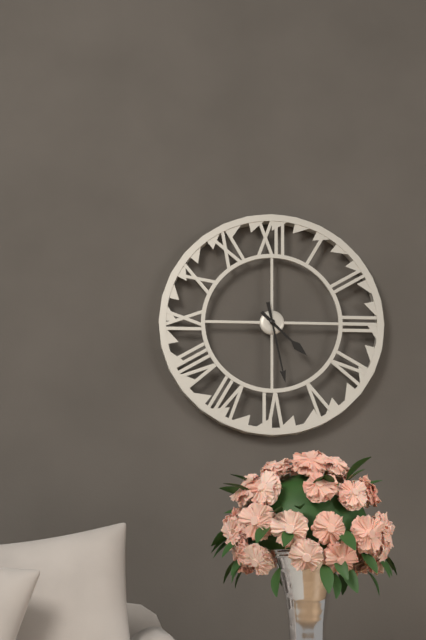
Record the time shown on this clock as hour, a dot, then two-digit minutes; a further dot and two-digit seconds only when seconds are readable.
4.28
